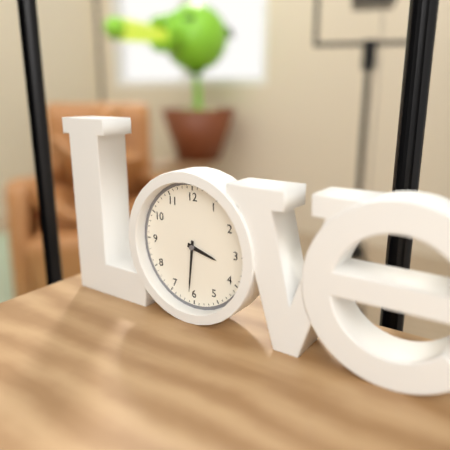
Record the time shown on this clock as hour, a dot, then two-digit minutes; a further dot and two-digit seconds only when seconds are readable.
3.31
